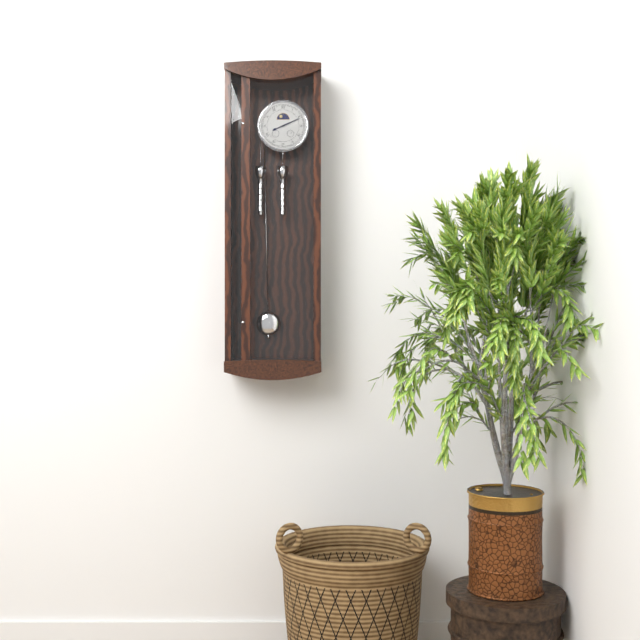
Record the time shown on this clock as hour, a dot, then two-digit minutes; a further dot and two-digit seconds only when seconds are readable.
8.11
